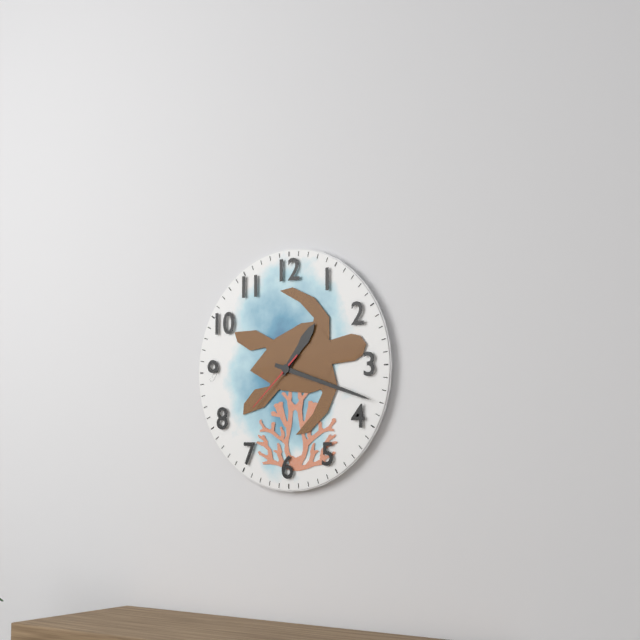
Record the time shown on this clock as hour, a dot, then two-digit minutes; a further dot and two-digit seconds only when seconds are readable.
1.18.38
